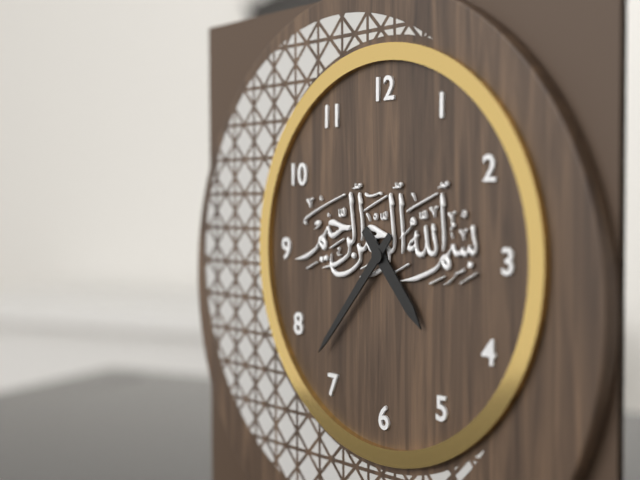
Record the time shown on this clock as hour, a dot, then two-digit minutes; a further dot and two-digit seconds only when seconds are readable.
4.37
